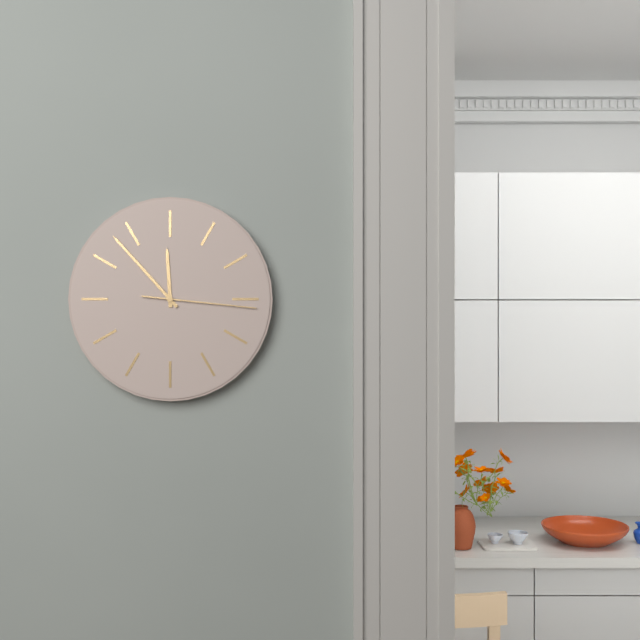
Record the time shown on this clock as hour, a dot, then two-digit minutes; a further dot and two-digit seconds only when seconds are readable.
11.53.16
